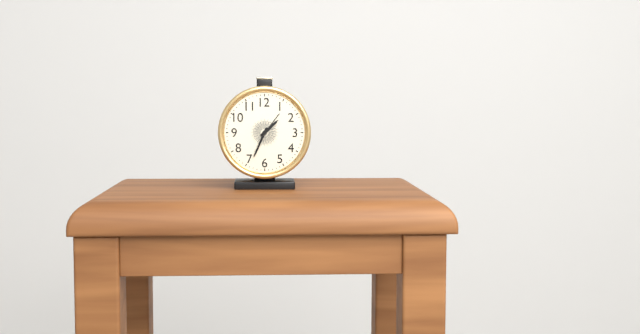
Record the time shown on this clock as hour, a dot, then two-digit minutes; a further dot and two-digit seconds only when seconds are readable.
1.34
